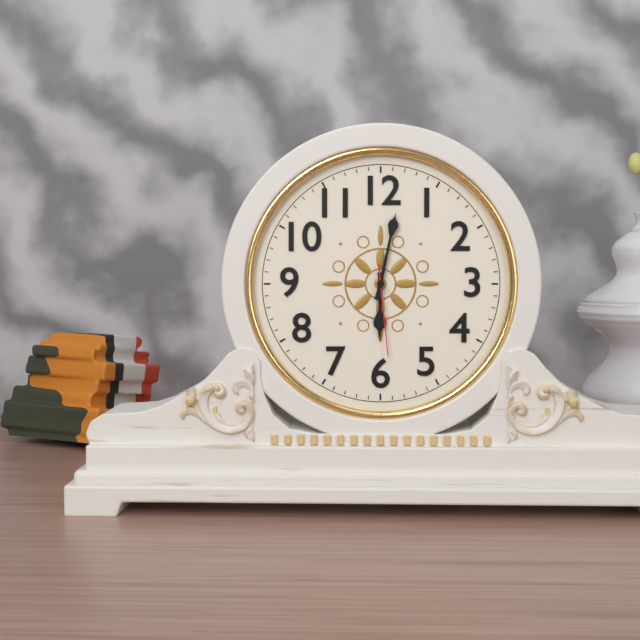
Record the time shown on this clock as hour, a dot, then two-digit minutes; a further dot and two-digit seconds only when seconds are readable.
6.02.29
